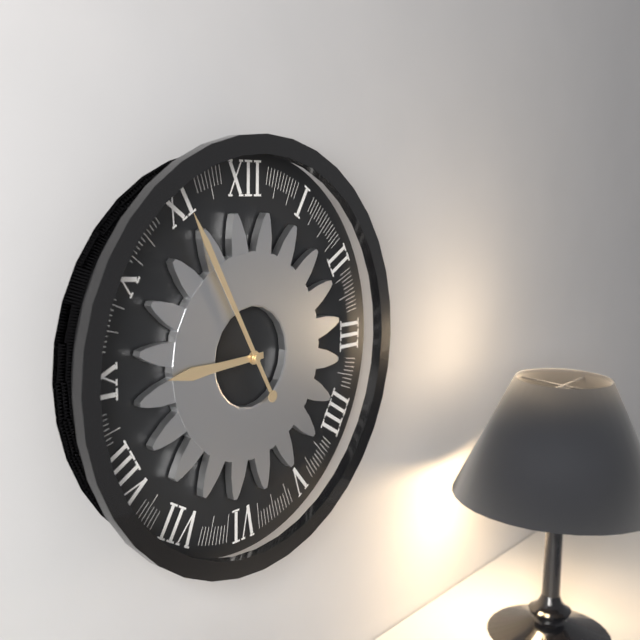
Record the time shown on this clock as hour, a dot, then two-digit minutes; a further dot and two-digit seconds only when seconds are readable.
8.55
